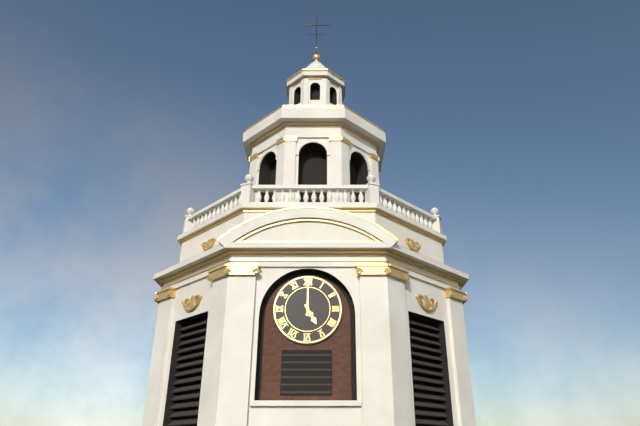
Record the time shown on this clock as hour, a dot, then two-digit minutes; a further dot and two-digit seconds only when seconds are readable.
5.00
